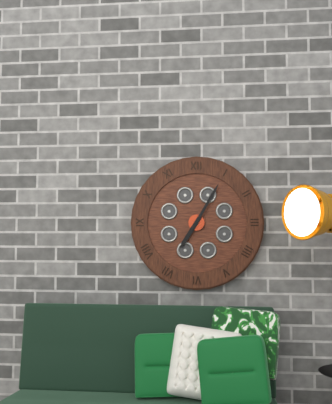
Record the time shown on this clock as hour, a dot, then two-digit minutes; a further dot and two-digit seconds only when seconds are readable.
7.05
